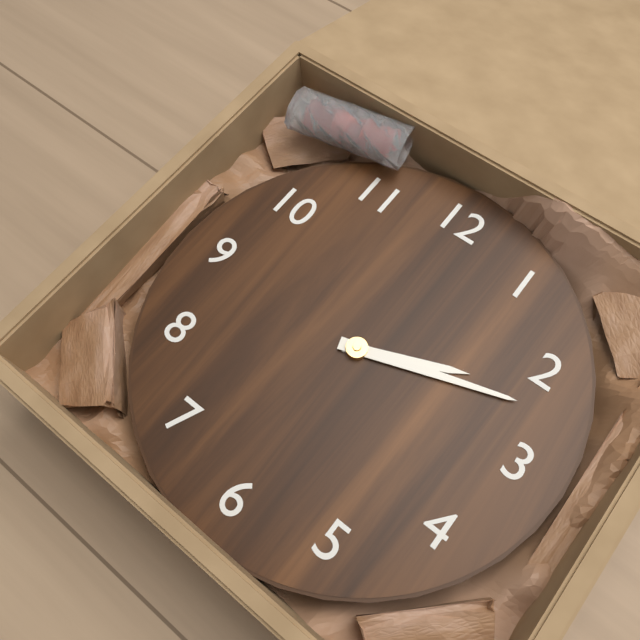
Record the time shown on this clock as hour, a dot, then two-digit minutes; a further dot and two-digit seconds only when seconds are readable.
2.12
